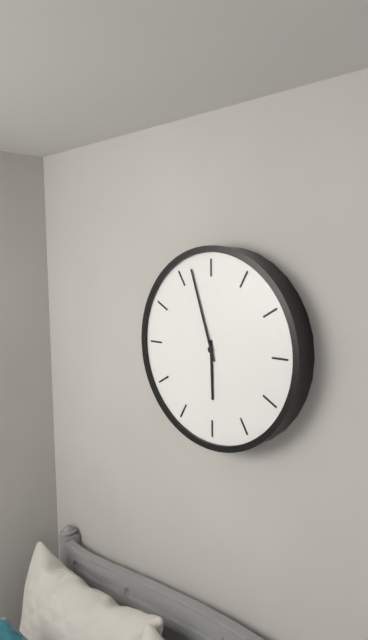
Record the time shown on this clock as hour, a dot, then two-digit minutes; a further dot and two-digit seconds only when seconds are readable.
5.57
